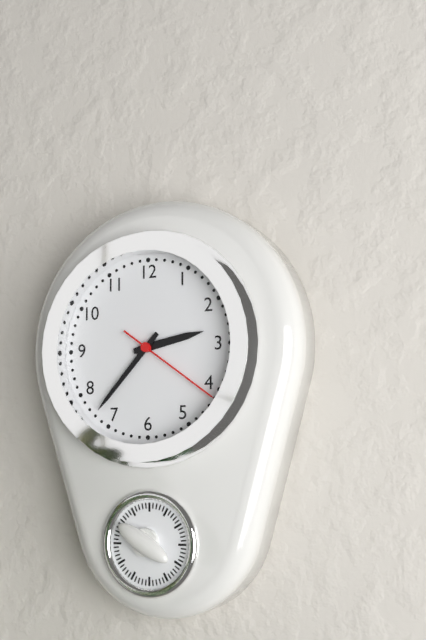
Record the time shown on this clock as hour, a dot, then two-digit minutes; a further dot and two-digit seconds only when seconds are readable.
2.37.21
